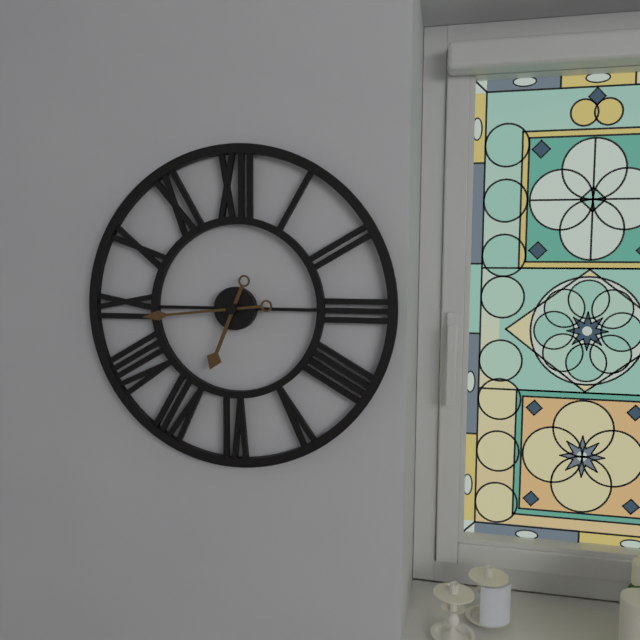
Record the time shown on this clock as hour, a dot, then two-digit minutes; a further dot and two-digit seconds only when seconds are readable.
6.44
